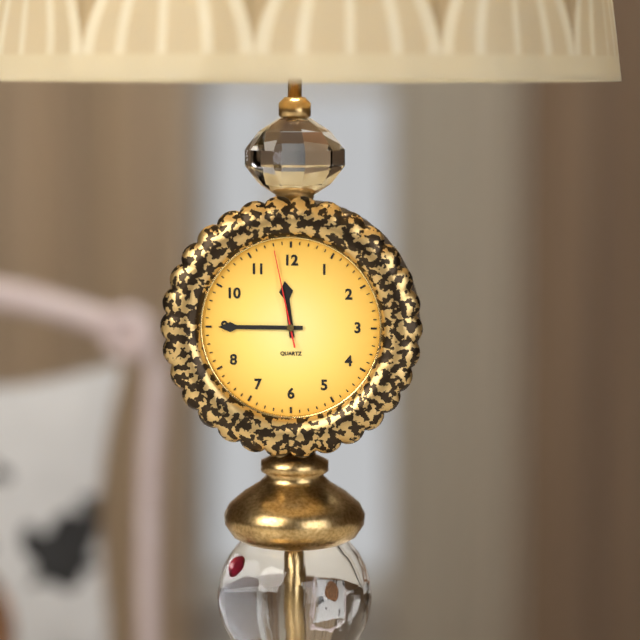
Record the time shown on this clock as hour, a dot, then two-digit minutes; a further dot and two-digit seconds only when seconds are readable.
11.45.58
